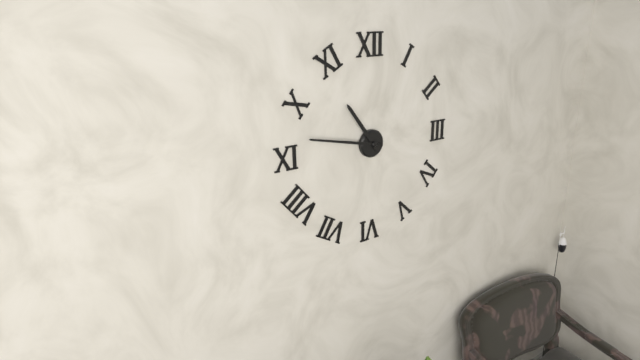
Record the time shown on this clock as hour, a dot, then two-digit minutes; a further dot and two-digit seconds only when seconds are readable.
10.47
